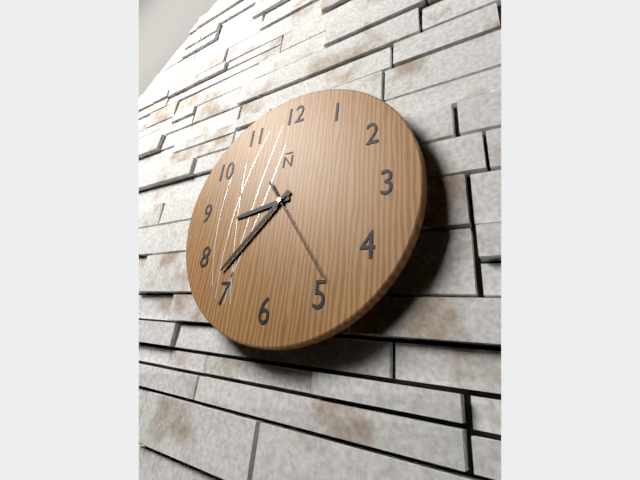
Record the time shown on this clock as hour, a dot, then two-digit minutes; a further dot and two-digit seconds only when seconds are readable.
8.37.24
